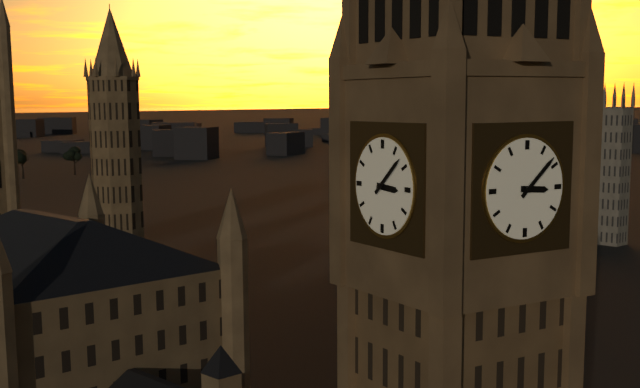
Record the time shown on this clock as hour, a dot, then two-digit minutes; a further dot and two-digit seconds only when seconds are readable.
3.08
